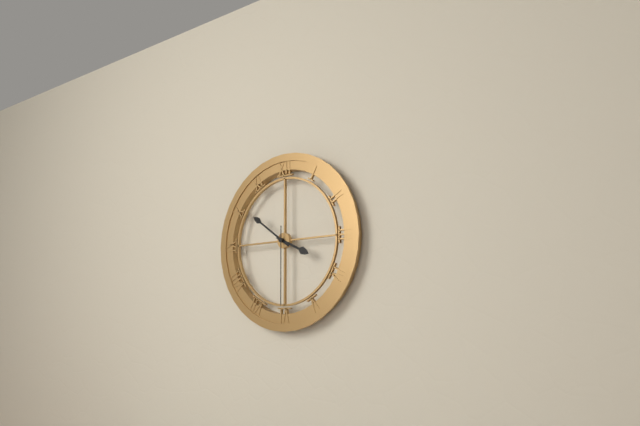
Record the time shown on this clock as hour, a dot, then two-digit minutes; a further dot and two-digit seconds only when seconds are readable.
3.51.30
